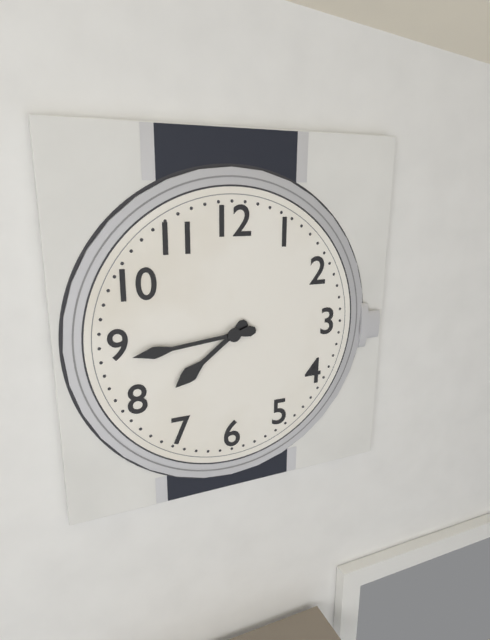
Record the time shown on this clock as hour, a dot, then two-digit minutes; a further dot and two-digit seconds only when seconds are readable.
7.44
